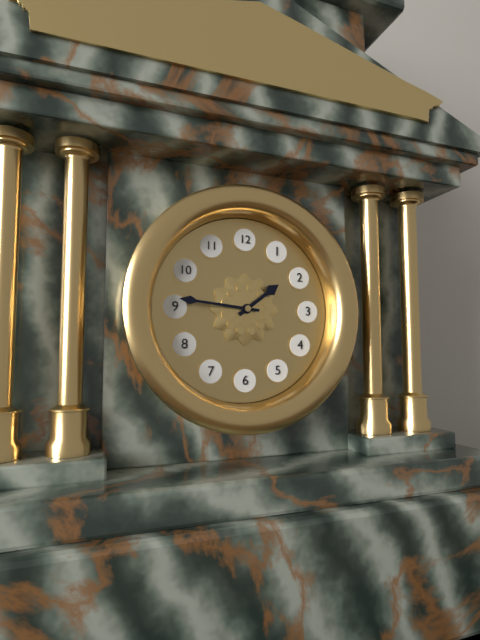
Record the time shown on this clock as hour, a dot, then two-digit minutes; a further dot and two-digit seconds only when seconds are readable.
1.46
